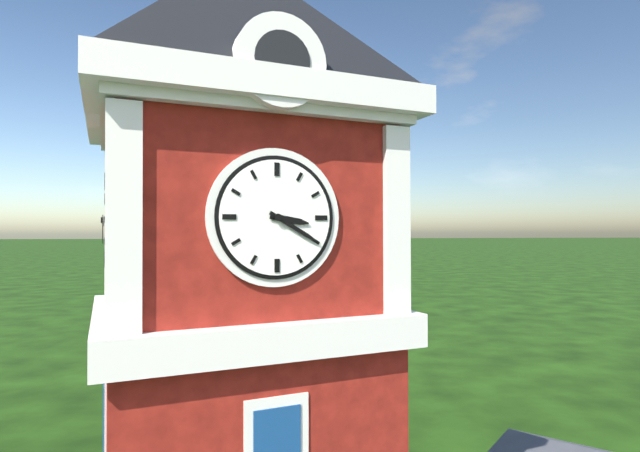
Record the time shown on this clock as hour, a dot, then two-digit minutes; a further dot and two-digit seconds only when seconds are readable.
3.20
